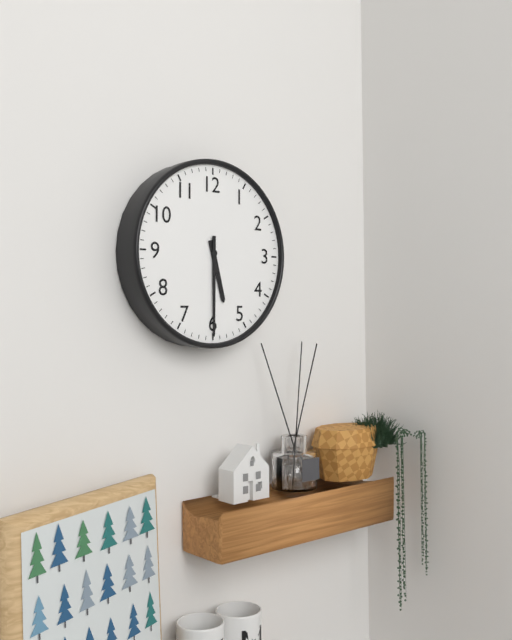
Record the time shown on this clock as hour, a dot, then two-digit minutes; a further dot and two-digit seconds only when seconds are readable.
5.30
